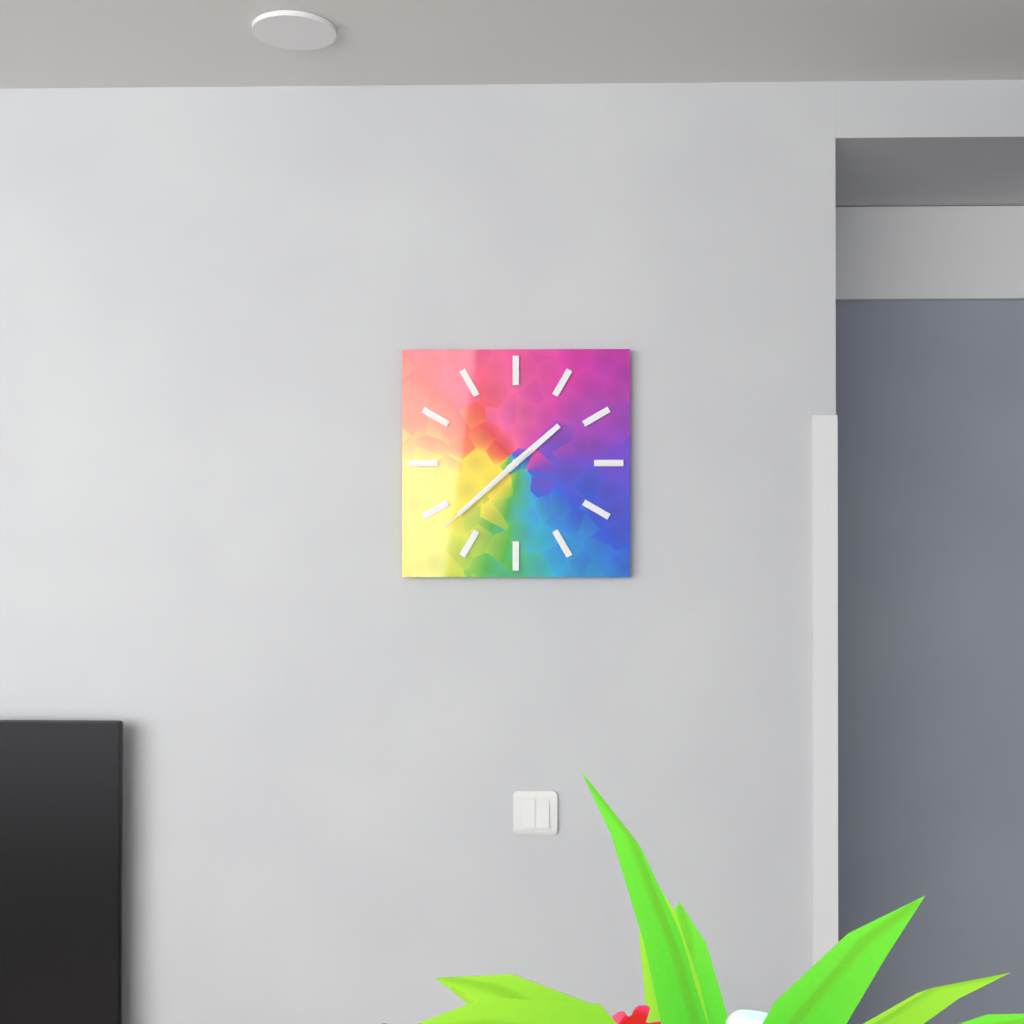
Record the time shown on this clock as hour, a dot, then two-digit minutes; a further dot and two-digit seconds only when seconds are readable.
1.38.38
